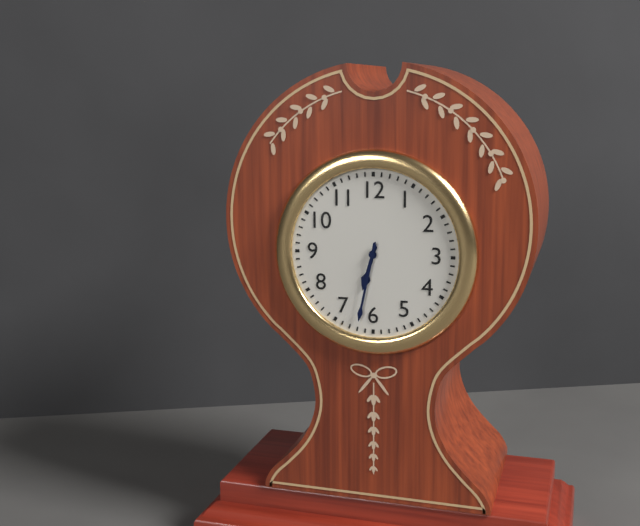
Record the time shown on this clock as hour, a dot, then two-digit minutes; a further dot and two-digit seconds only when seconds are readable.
6.32
